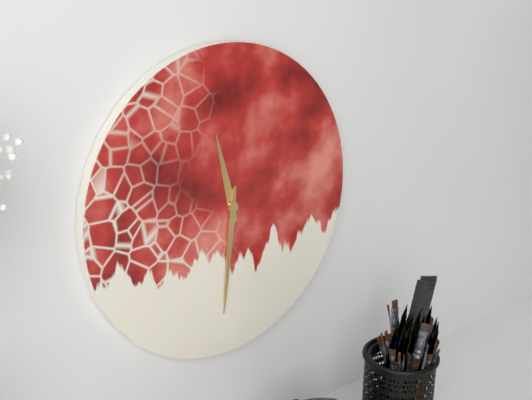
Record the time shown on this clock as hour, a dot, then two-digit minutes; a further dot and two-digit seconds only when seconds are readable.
11.31
